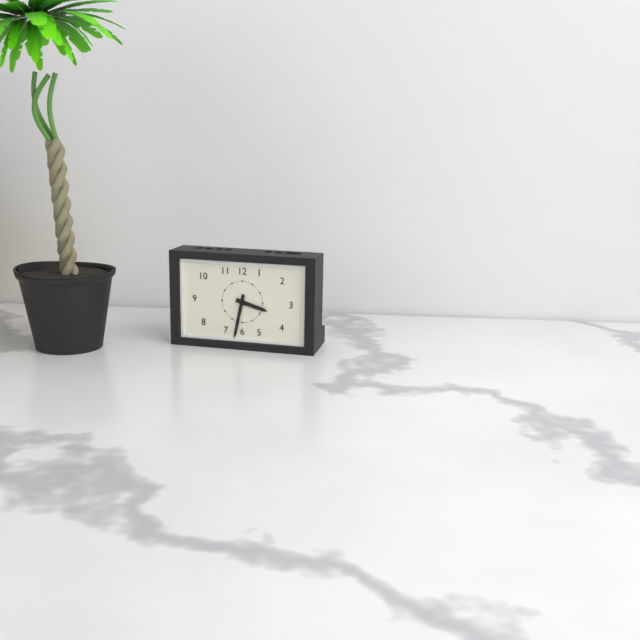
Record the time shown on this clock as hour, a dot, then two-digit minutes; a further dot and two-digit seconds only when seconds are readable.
3.32
